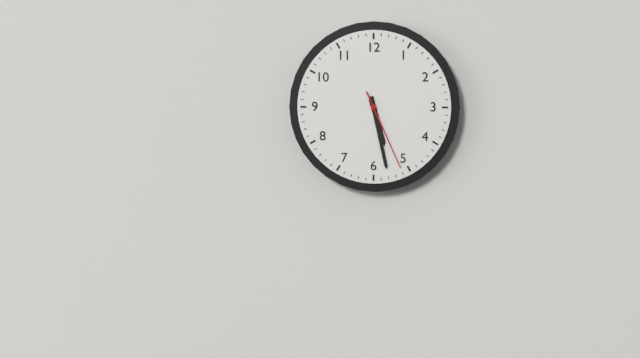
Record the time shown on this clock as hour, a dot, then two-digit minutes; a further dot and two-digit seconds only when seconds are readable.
5.28.26
